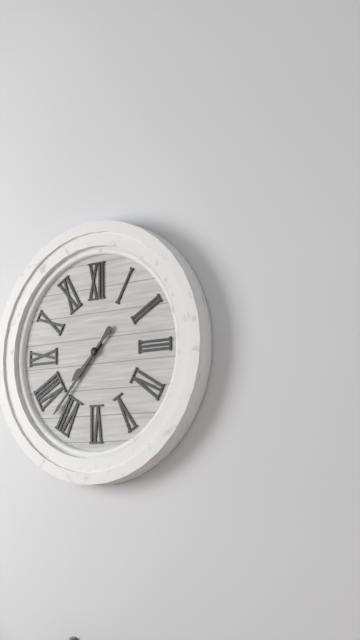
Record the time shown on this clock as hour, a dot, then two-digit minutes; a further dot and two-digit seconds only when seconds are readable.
7.37
